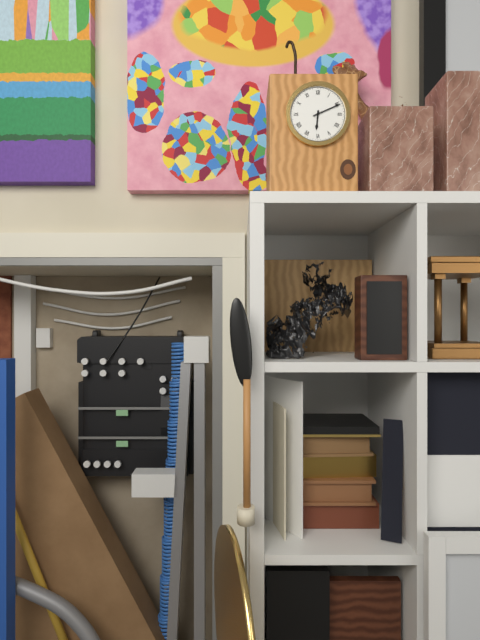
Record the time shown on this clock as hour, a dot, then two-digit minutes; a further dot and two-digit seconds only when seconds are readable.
6.11
